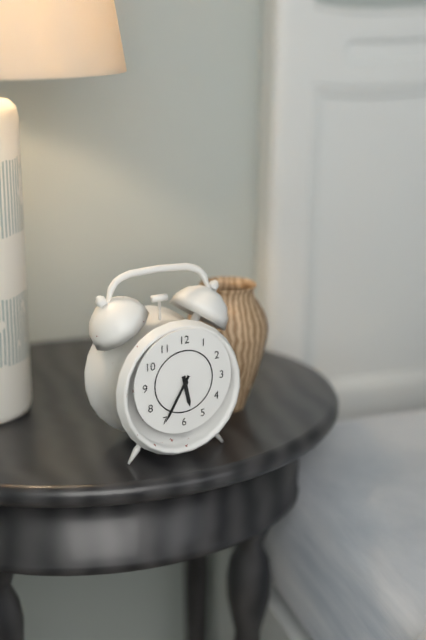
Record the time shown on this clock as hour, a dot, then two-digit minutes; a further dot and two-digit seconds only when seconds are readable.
5.35
